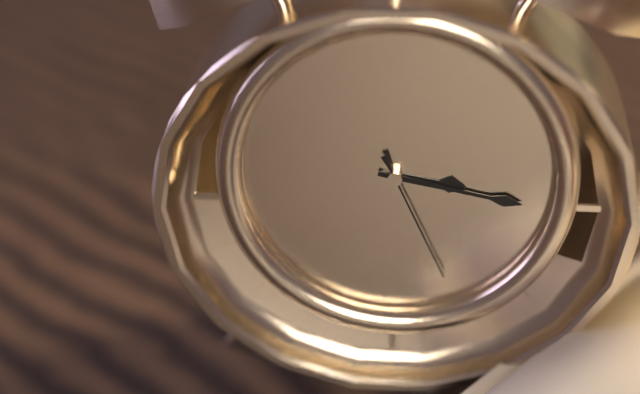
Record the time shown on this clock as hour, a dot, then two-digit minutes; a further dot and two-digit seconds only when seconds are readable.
3.17.26
